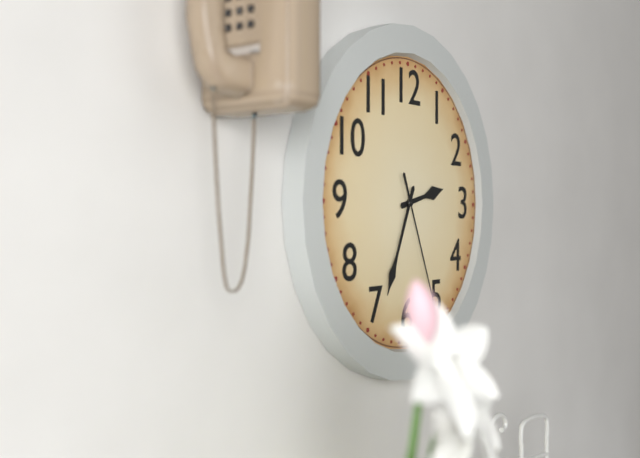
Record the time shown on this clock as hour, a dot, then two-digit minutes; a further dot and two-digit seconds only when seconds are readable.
2.34.26
